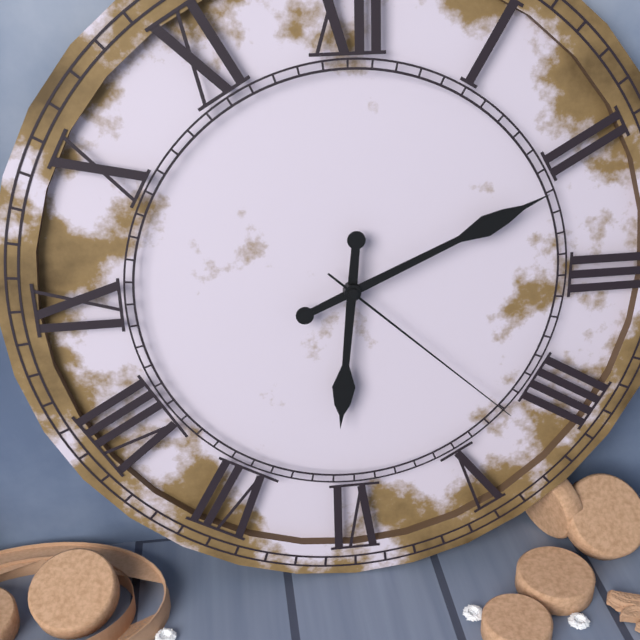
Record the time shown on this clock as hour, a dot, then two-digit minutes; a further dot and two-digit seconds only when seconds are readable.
6.11.22
